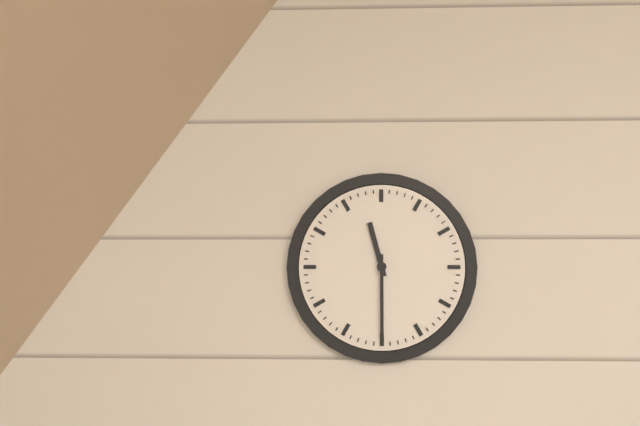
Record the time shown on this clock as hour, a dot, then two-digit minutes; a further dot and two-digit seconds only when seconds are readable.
11.30
